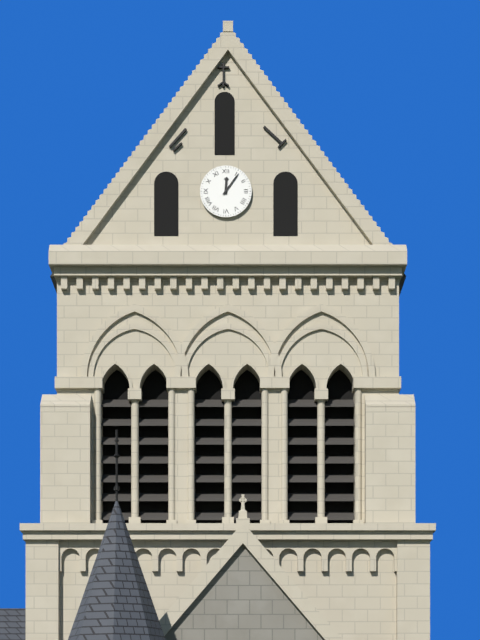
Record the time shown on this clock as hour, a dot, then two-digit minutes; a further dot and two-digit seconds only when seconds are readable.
12.06
